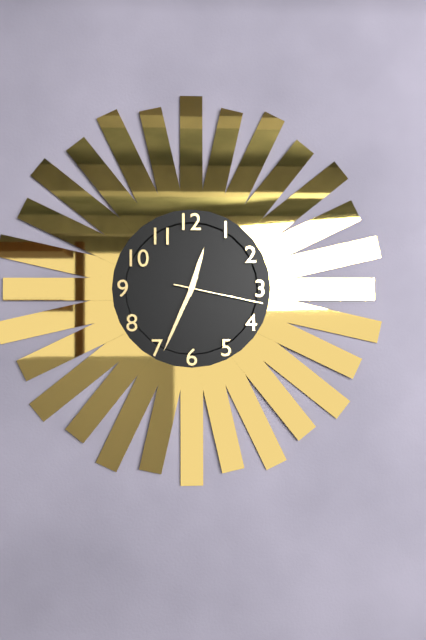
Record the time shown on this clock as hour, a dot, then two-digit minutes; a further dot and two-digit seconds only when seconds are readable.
12.34.17
